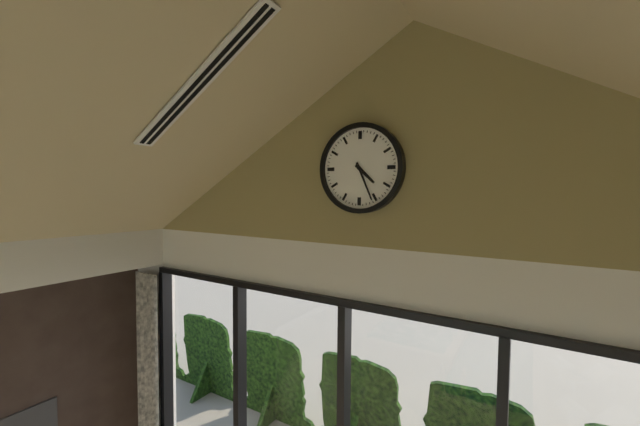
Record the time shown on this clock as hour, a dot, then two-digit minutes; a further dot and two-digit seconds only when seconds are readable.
4.26
